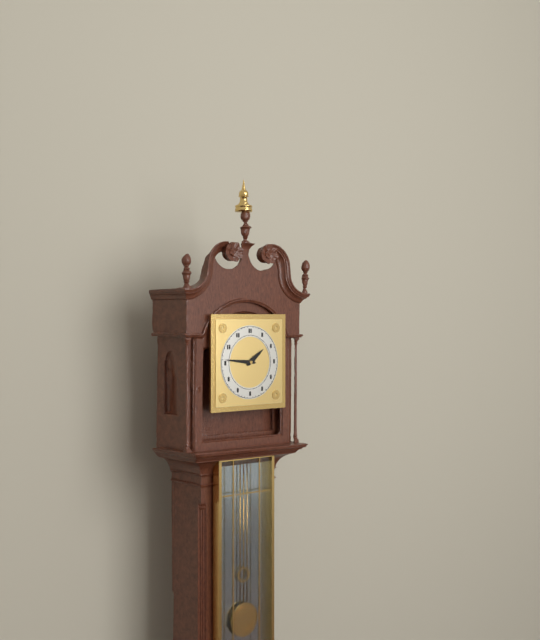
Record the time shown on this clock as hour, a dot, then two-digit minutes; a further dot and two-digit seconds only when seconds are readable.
1.46
